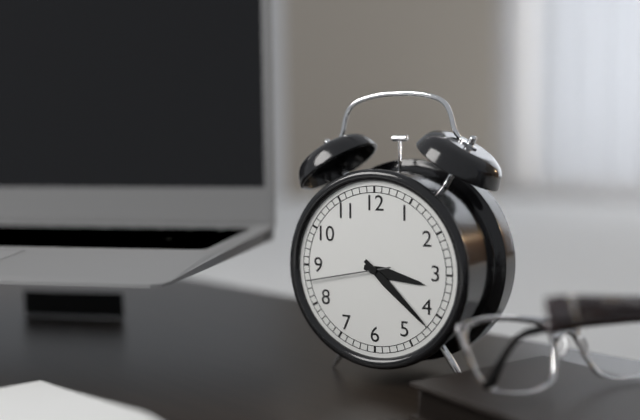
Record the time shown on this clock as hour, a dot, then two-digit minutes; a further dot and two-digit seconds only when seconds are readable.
3.22.43
